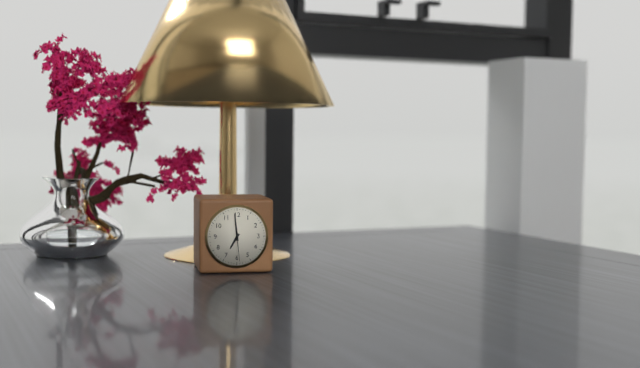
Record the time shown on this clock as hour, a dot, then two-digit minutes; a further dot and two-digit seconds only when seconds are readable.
6.59
